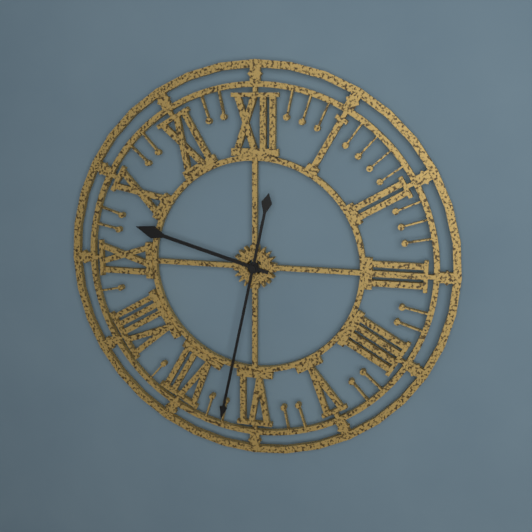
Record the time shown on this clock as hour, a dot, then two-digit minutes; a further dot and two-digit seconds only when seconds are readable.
9.32
